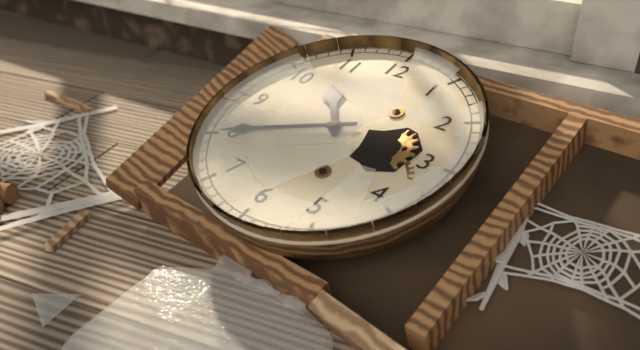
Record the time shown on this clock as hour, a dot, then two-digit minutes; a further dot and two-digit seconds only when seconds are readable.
10.40
